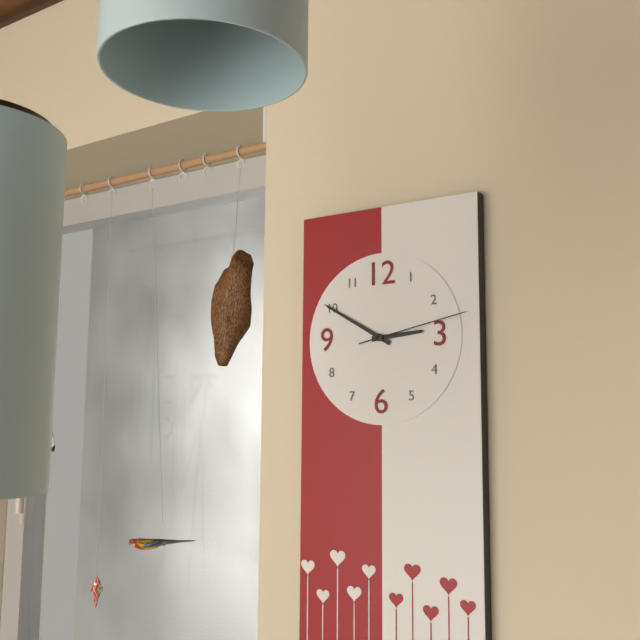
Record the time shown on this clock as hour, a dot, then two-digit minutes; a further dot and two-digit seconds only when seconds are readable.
2.50.13
